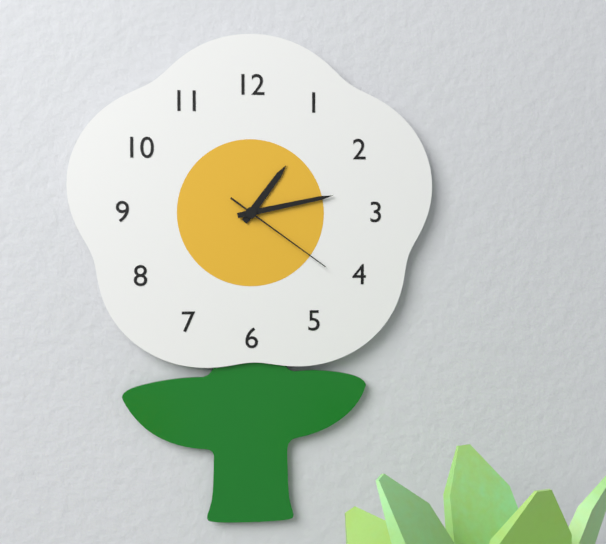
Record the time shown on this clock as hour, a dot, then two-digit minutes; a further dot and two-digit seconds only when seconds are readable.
1.13.21
